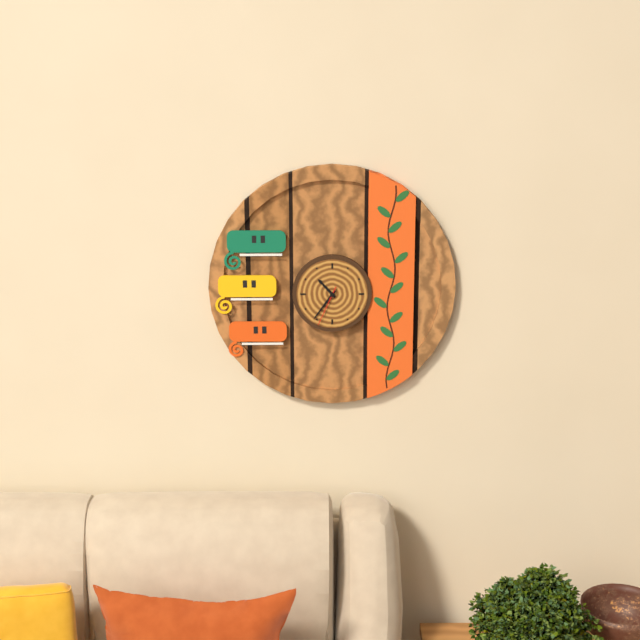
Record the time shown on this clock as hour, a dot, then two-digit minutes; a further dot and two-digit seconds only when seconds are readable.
10.36
